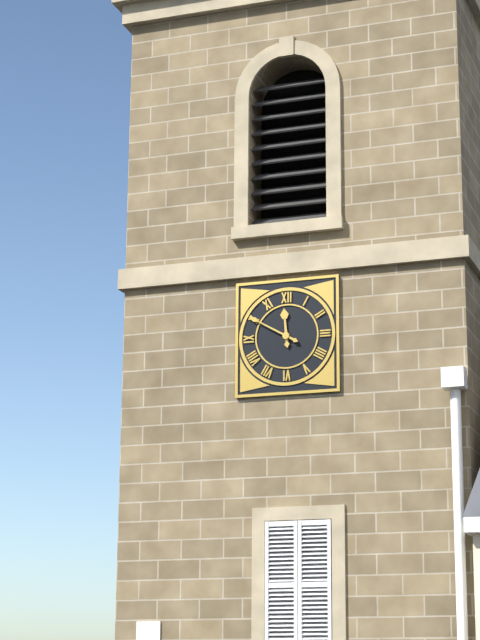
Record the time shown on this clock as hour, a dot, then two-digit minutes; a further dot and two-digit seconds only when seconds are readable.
11.50
